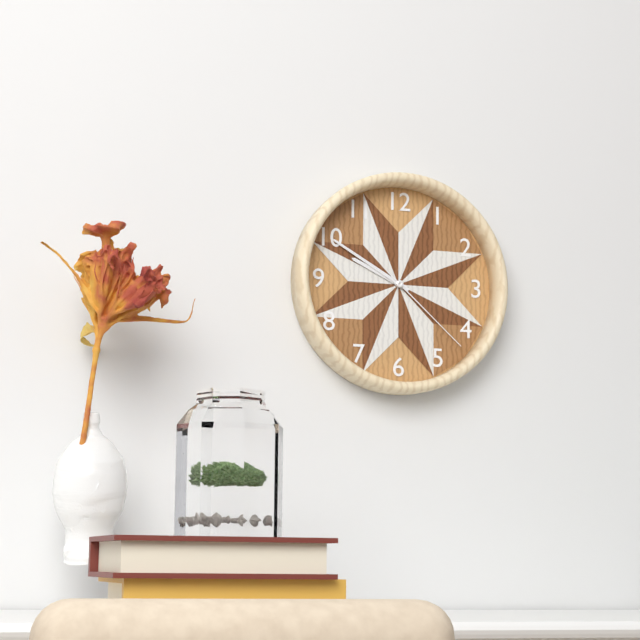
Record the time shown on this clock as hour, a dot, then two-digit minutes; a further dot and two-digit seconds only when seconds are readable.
9.50.22
